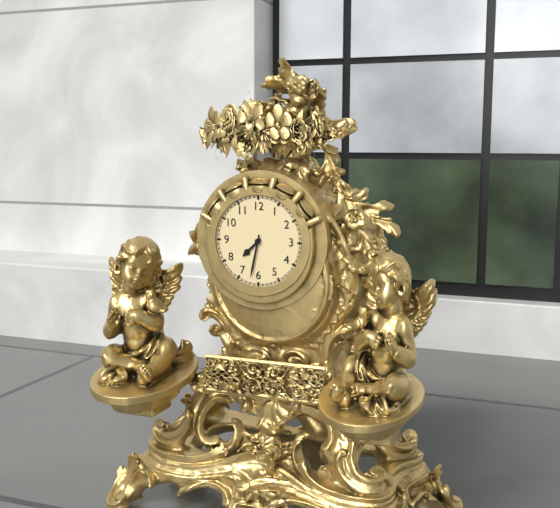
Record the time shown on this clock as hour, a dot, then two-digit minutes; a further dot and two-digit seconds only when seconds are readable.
7.32
